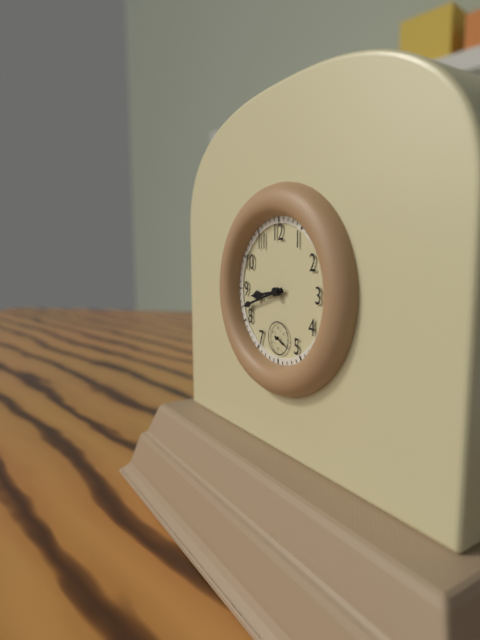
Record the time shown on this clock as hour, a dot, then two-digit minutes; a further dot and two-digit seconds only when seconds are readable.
8.42
